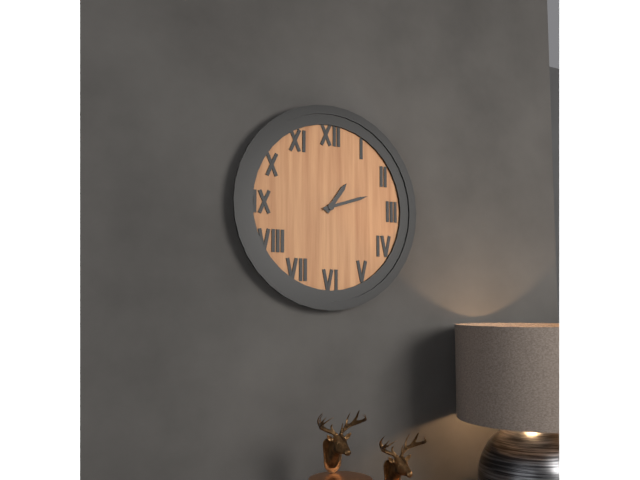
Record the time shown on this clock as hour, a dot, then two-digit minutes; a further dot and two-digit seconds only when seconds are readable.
1.12
